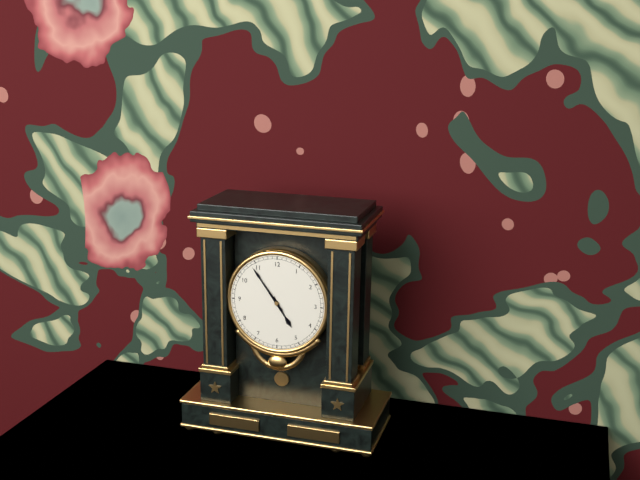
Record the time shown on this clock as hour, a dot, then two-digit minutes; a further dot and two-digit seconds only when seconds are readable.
4.54
